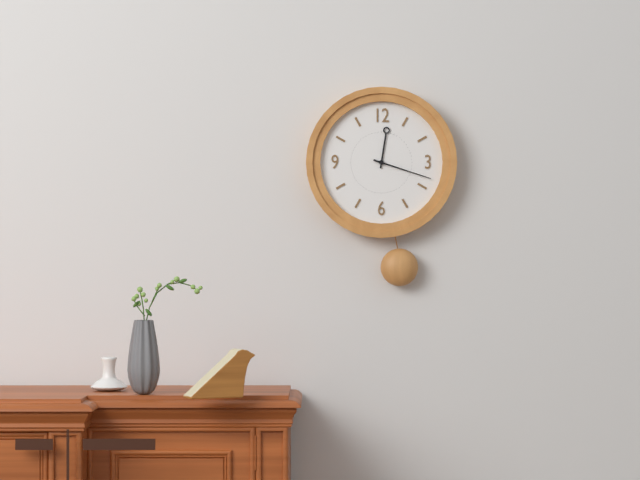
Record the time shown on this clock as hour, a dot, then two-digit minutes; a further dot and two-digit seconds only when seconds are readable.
12.18
